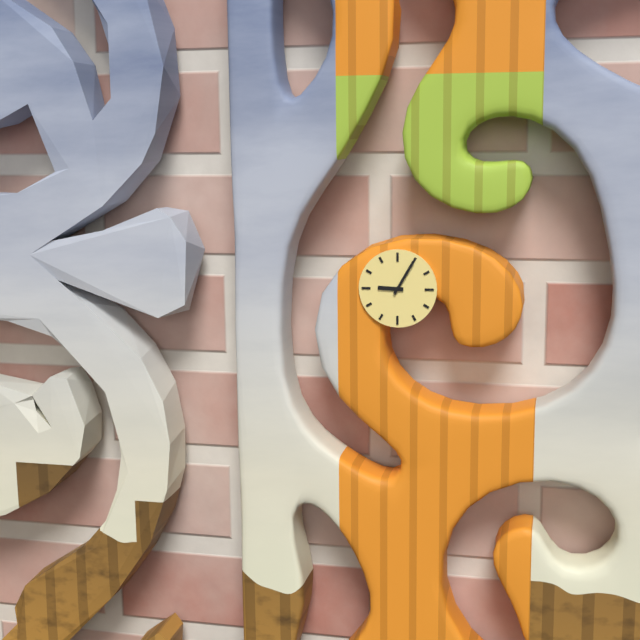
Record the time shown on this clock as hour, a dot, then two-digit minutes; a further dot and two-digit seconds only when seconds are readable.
9.05
